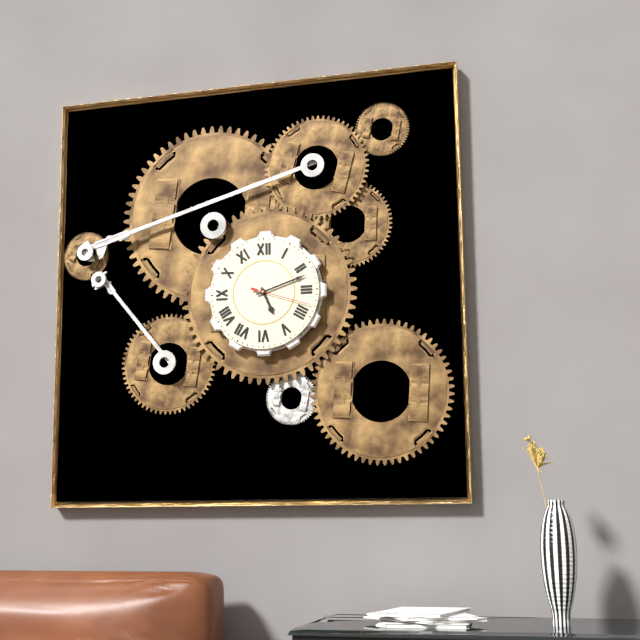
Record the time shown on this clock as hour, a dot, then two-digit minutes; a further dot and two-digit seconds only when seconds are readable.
5.12.18
